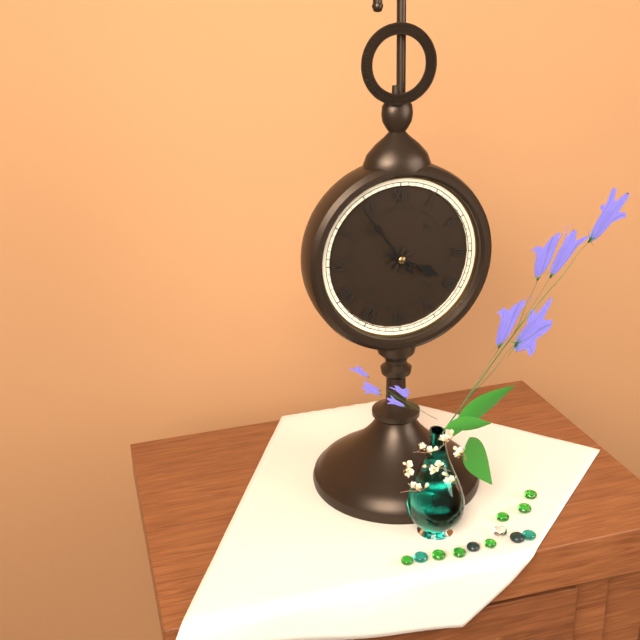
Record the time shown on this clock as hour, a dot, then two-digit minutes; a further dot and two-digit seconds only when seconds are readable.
3.54
